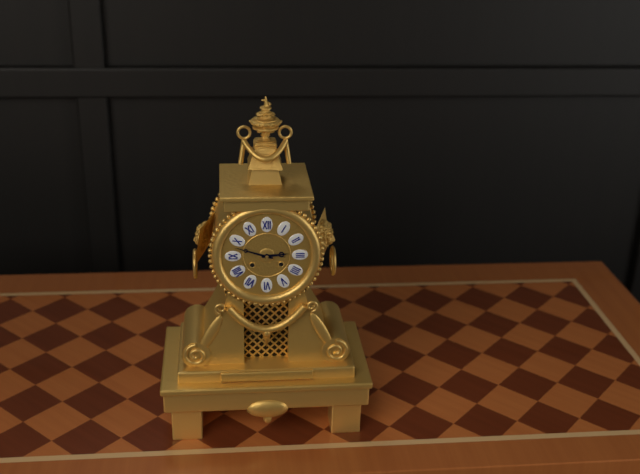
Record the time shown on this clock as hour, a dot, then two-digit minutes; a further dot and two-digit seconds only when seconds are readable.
2.48
